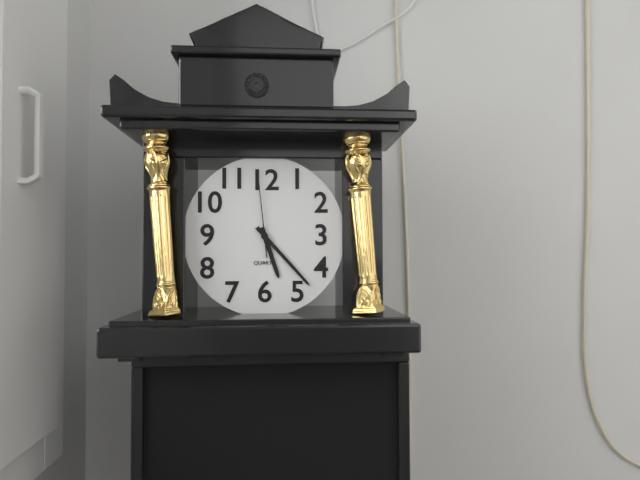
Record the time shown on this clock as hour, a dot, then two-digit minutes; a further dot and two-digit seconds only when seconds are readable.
5.23.59
